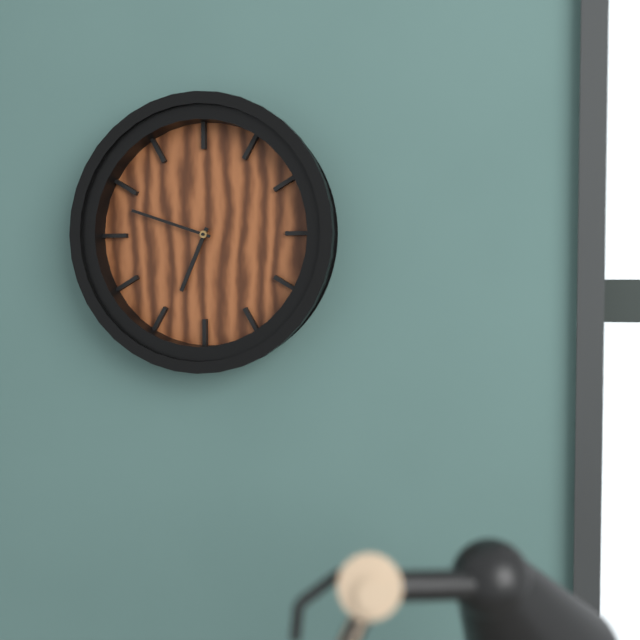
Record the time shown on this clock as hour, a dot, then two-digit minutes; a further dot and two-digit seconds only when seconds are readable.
6.48
